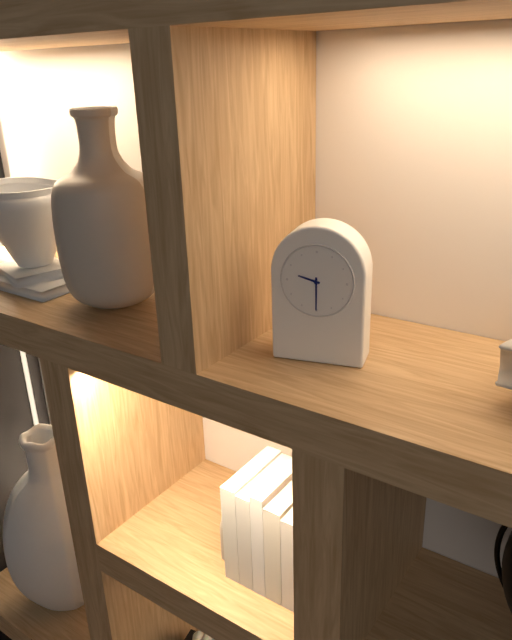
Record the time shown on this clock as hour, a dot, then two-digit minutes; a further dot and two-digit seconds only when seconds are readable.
9.30
